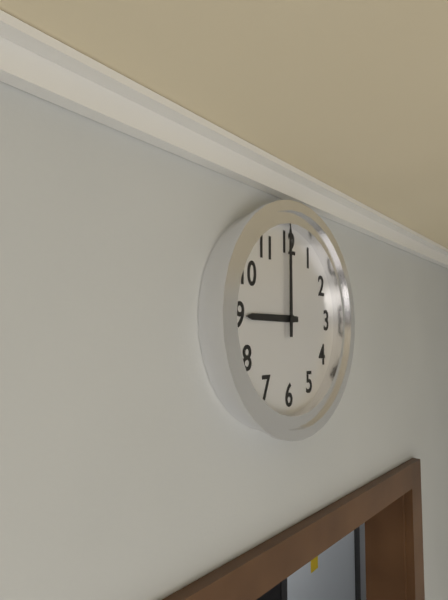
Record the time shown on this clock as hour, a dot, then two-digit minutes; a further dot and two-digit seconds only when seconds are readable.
9.00
